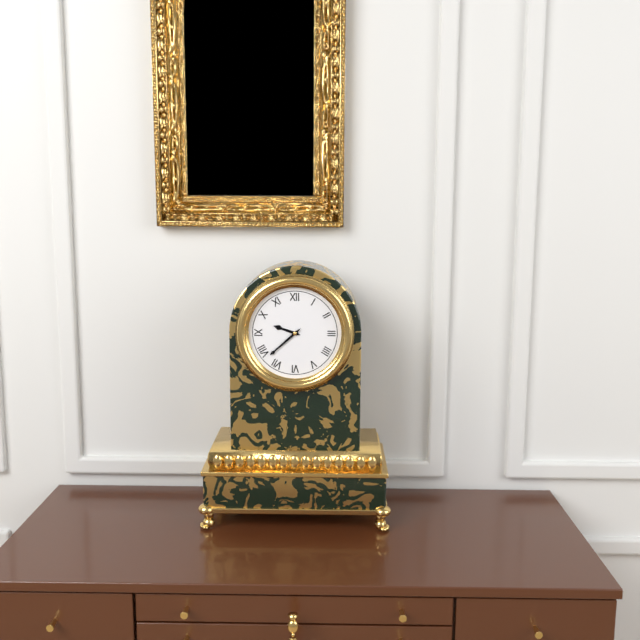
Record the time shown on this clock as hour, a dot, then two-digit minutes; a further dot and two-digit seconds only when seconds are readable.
9.38
